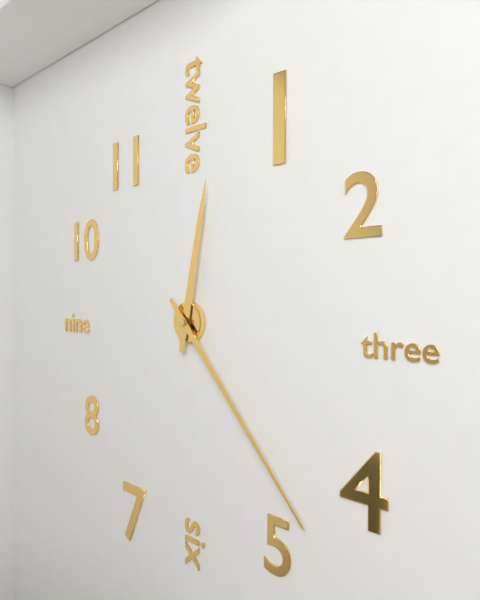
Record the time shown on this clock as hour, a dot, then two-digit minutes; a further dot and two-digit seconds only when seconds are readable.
12.23
